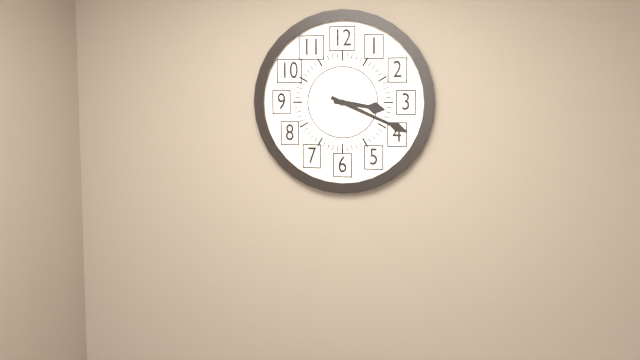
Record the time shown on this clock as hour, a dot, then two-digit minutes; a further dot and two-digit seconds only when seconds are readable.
3.19
